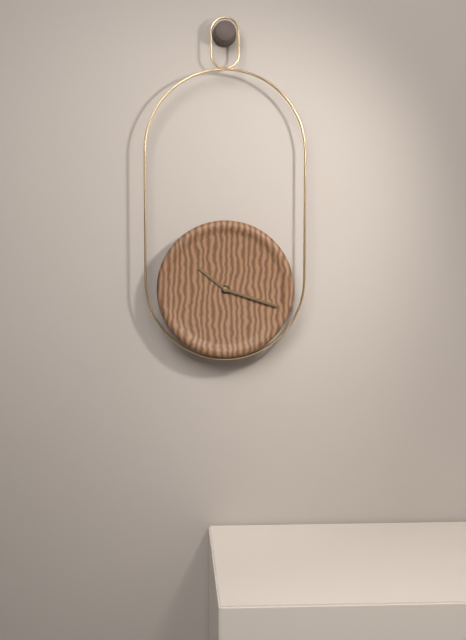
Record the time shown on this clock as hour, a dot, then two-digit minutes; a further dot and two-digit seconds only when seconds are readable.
10.18
